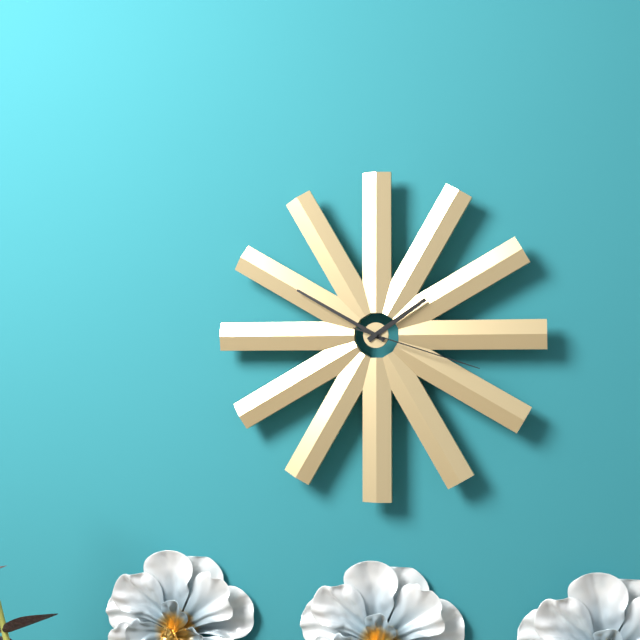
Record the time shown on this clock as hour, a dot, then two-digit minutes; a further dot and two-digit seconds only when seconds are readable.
1.50.18
